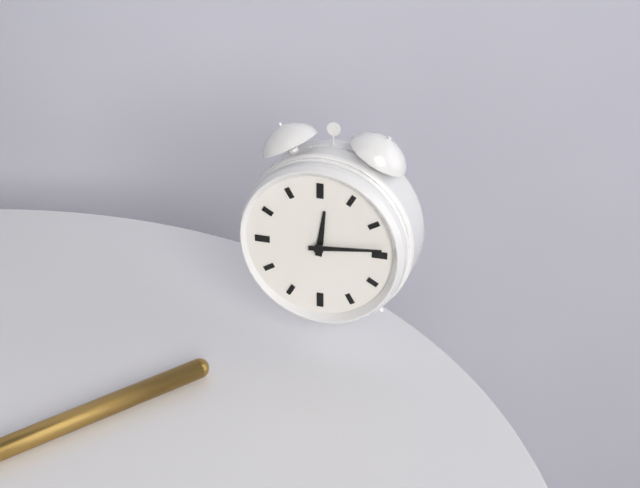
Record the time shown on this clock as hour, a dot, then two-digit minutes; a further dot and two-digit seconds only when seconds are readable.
12.14
